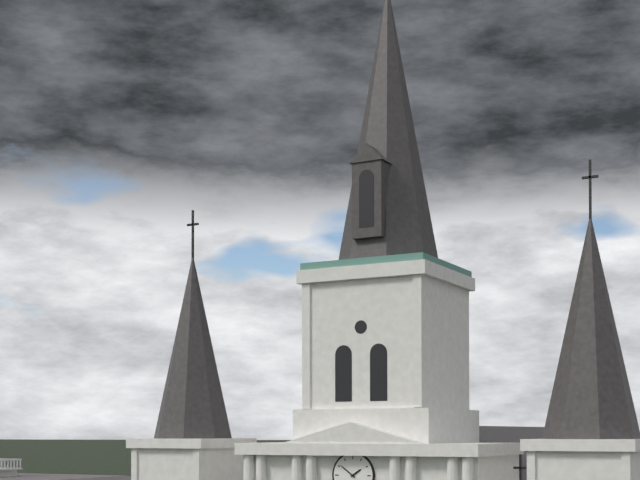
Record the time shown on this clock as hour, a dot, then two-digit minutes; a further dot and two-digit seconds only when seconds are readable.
1.51
